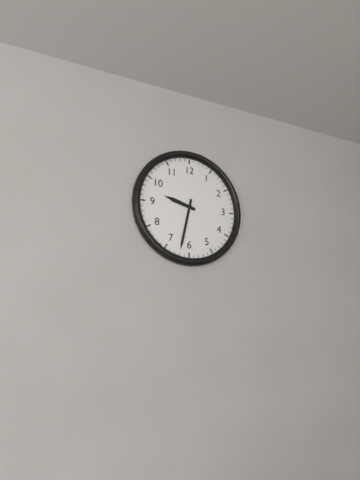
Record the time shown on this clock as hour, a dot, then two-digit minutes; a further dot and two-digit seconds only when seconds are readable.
9.32
